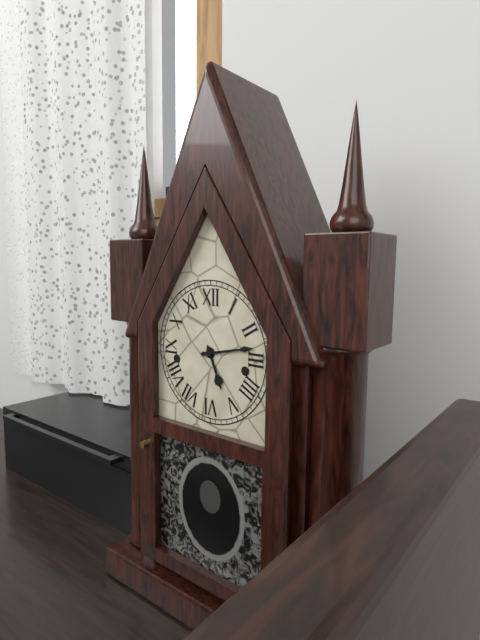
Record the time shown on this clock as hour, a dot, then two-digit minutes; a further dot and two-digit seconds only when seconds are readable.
5.13
